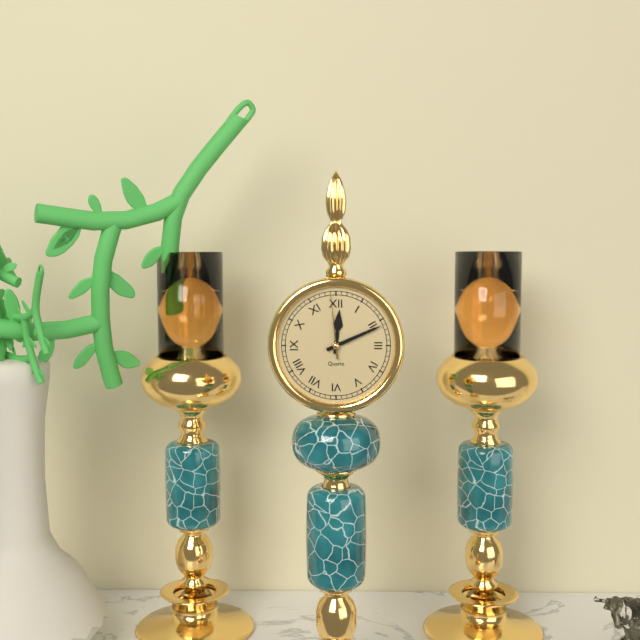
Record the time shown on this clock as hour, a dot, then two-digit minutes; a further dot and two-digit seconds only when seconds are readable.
12.11.59
